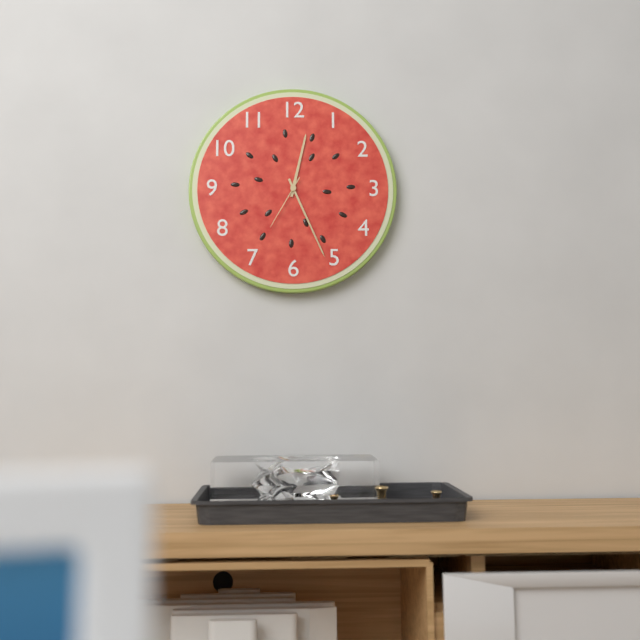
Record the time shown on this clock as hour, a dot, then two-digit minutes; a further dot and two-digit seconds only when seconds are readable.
12.26.35
